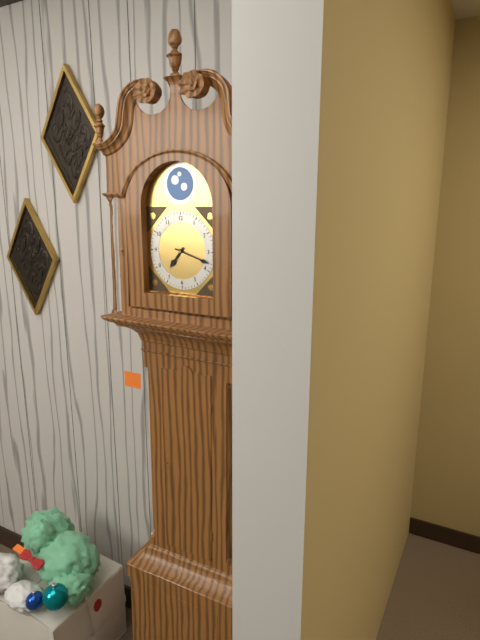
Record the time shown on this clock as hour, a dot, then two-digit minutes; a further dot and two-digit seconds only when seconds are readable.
7.18
